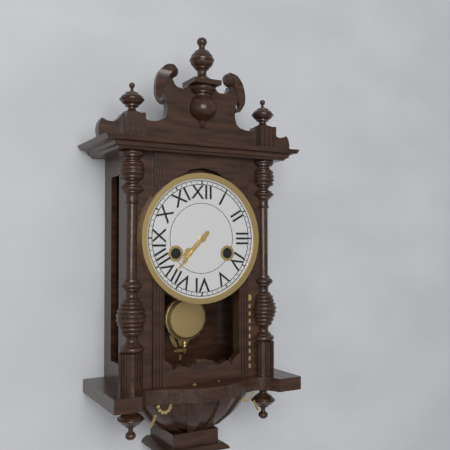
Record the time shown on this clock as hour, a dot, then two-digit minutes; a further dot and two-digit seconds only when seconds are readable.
7.37
